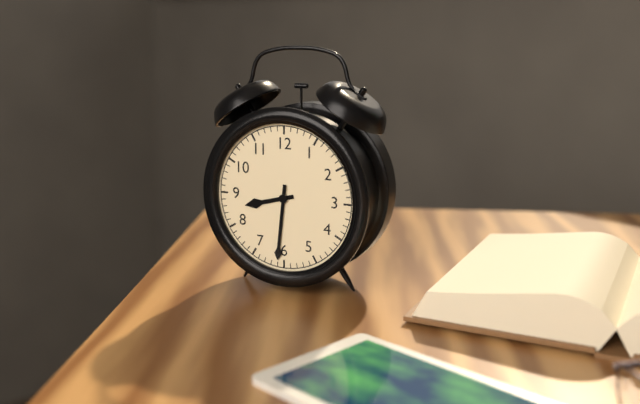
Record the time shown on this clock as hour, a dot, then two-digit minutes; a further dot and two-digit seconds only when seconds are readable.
8.31
